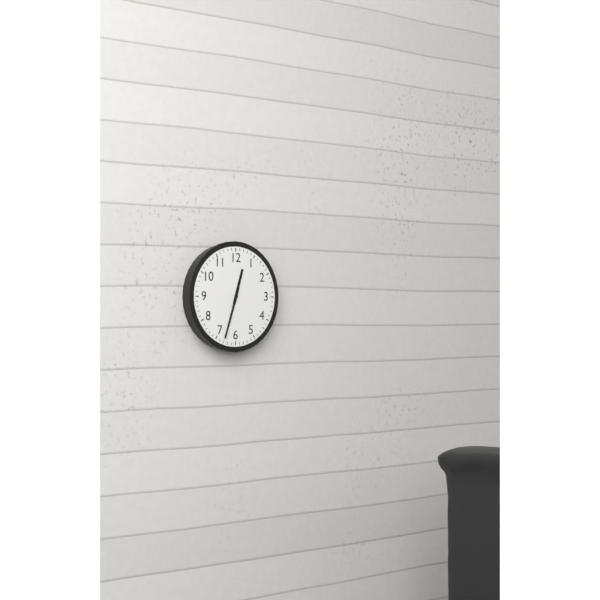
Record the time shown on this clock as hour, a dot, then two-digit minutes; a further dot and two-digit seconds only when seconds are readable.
12.33
